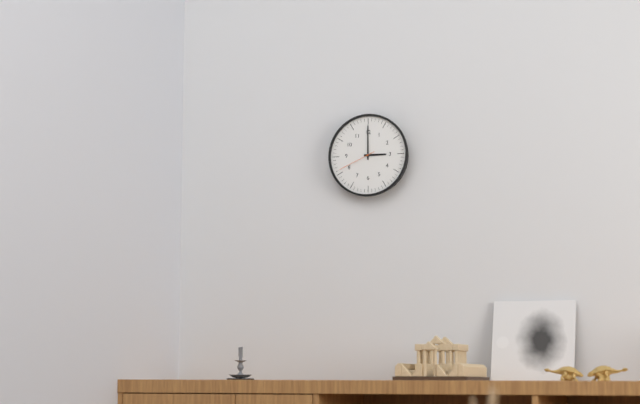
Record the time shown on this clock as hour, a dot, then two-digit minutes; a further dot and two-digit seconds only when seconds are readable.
3.00
